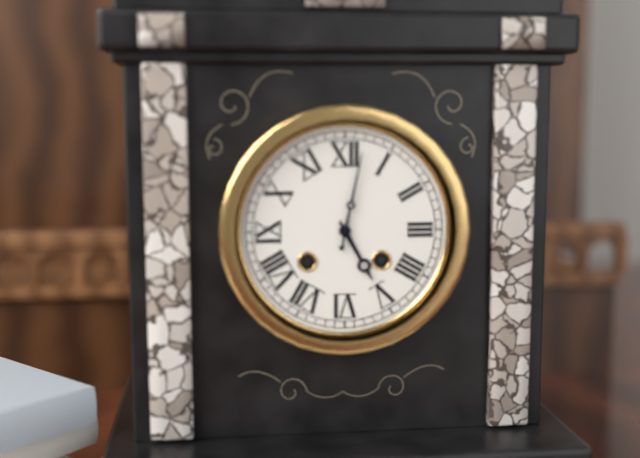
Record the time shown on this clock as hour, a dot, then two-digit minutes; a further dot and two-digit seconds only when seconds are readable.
5.02
